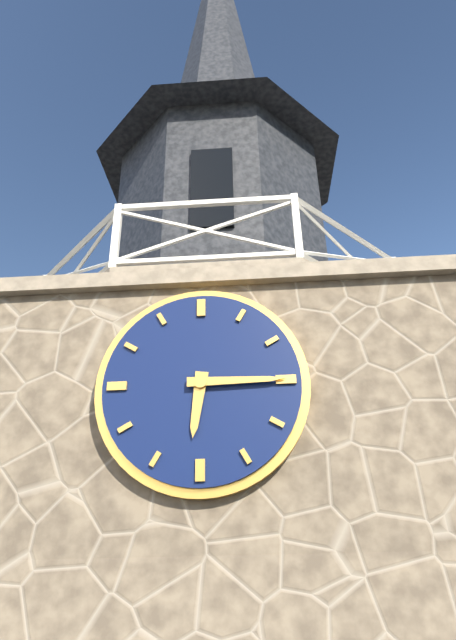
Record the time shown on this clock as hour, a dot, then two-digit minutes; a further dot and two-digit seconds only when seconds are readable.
6.15
